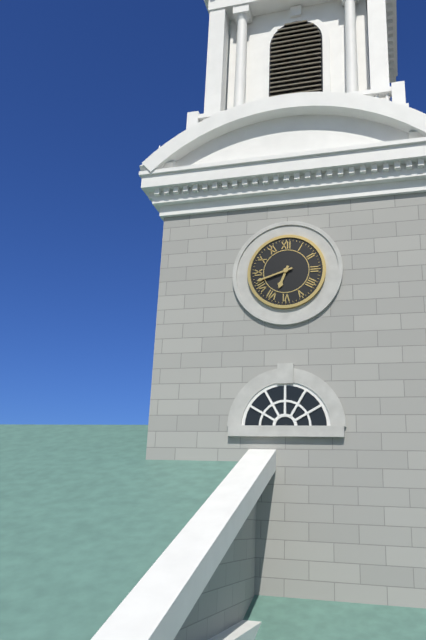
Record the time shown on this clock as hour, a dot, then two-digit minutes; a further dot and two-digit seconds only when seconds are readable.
6.42
